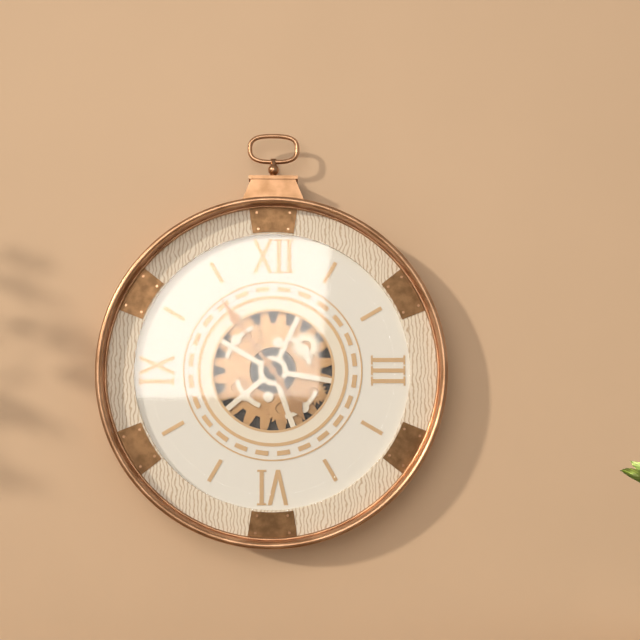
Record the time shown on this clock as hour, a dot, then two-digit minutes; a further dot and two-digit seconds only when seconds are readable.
4.54
